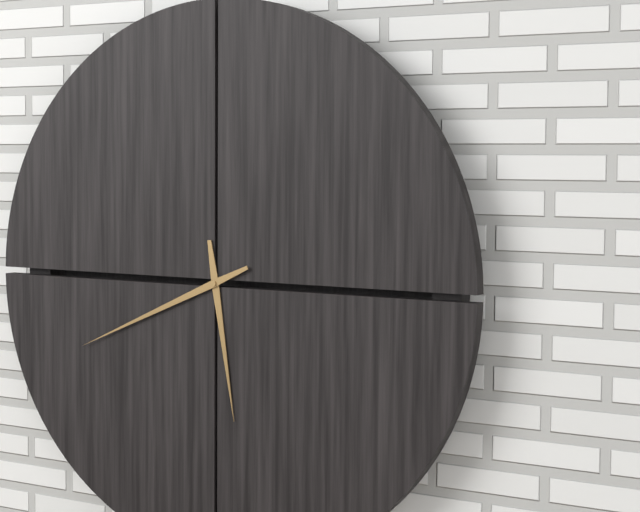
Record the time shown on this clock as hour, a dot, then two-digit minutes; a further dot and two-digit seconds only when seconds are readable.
5.41
